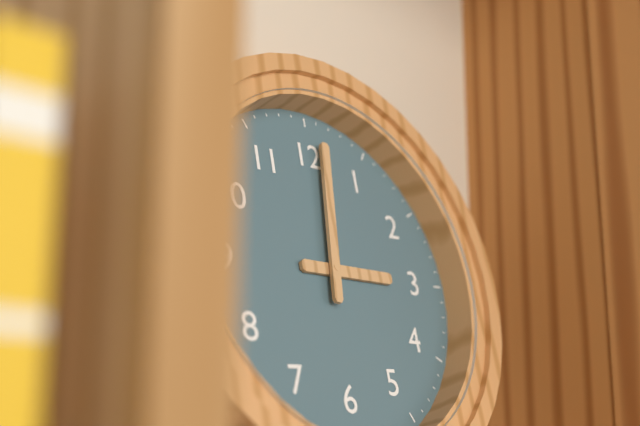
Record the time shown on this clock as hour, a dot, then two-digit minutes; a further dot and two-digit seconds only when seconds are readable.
3.01
